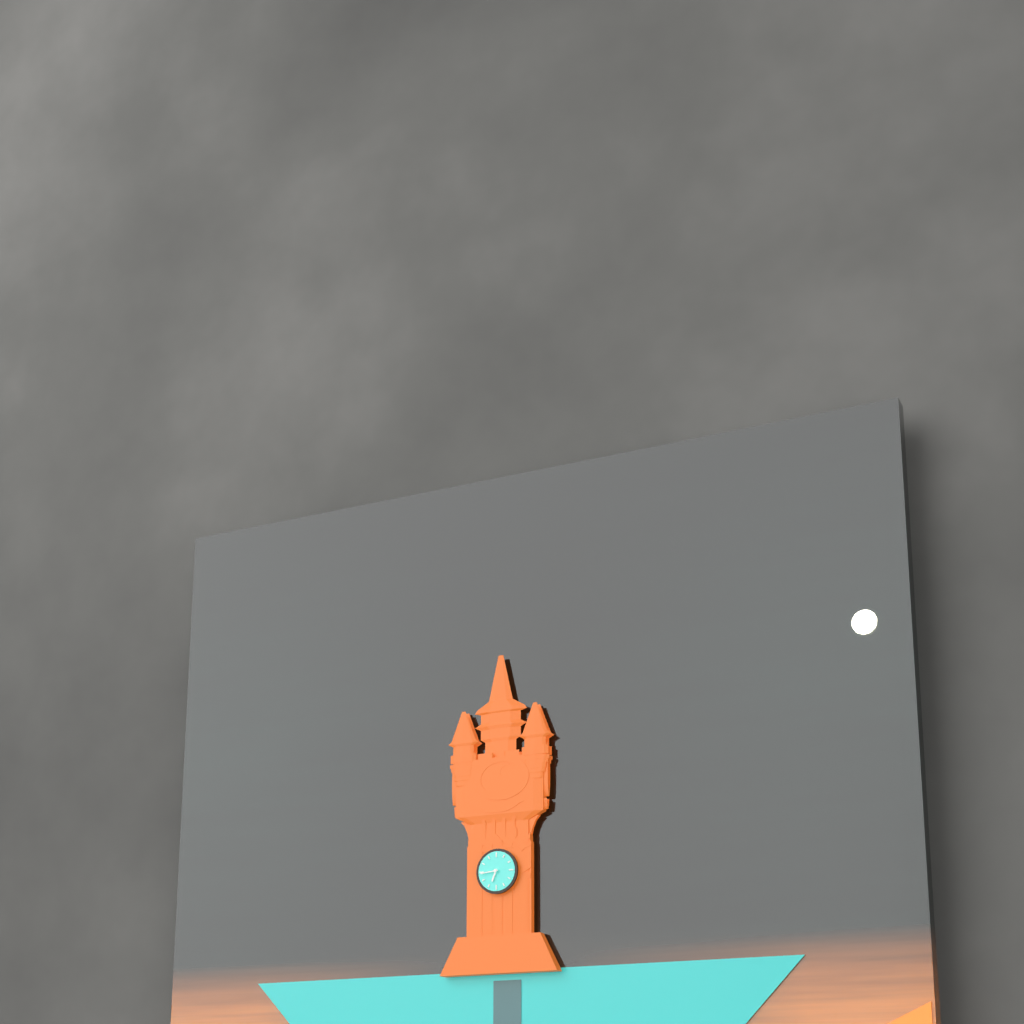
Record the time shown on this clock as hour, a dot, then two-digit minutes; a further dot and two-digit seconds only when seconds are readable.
6.44
